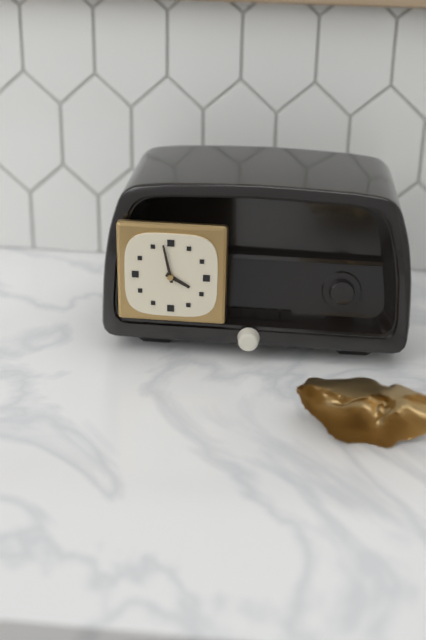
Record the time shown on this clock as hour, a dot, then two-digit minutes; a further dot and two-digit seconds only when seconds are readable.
3.58
